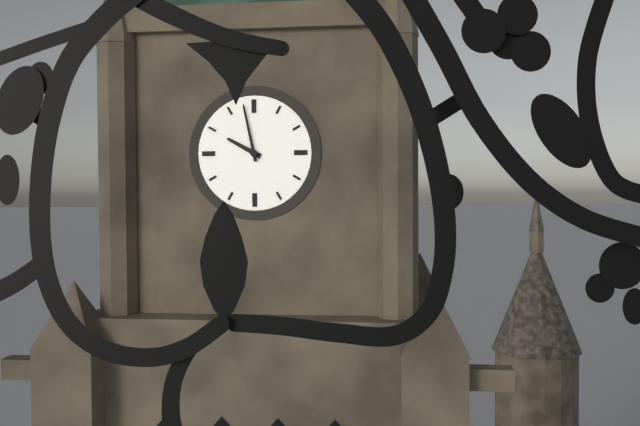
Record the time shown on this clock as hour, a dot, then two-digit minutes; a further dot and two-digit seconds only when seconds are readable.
9.58
